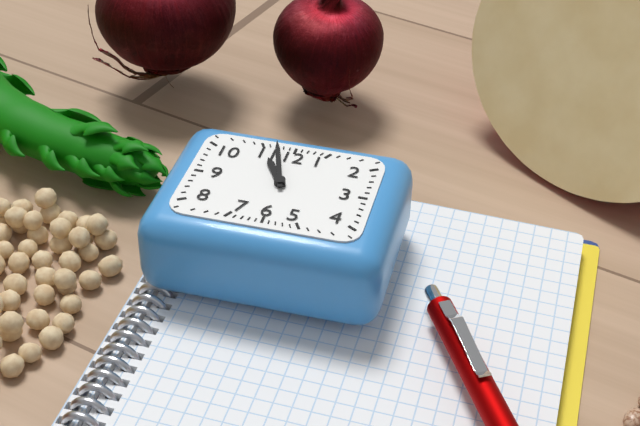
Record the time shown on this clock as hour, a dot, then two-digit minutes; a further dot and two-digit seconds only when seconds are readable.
10.57
